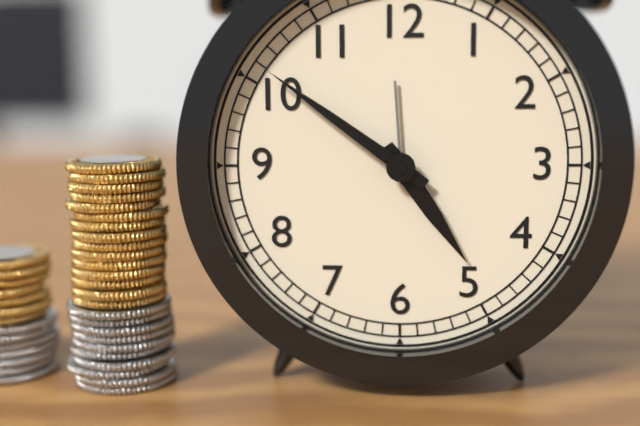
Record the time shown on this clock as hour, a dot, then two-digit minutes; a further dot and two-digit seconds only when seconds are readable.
4.51
